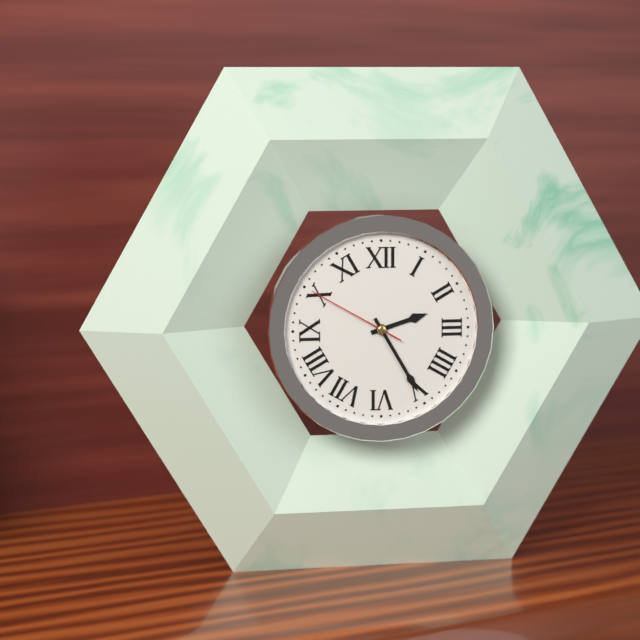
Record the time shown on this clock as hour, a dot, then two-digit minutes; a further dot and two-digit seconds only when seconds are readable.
2.25.50
